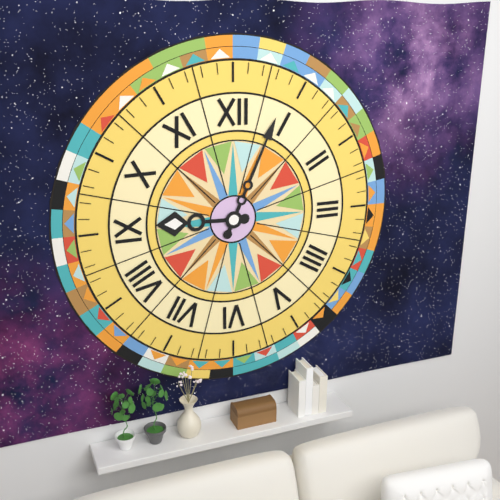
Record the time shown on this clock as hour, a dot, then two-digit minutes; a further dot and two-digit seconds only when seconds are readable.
9.04
